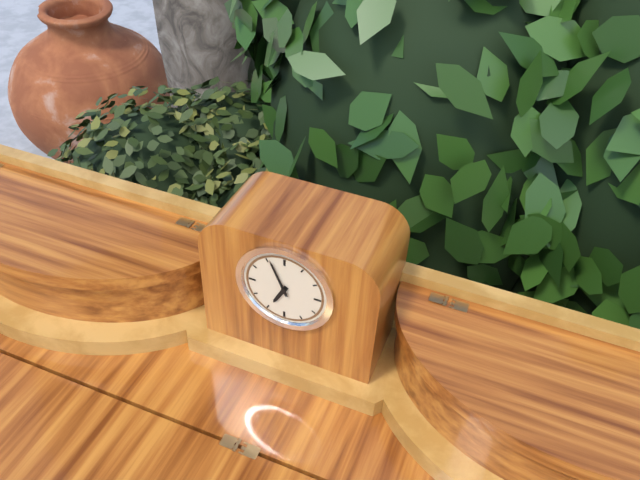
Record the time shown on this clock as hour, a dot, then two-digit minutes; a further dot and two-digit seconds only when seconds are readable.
6.56
